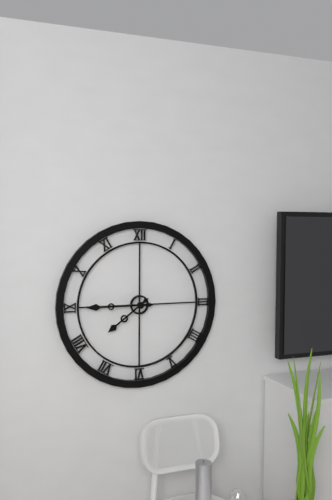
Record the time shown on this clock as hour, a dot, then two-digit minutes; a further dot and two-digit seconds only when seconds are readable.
7.45
